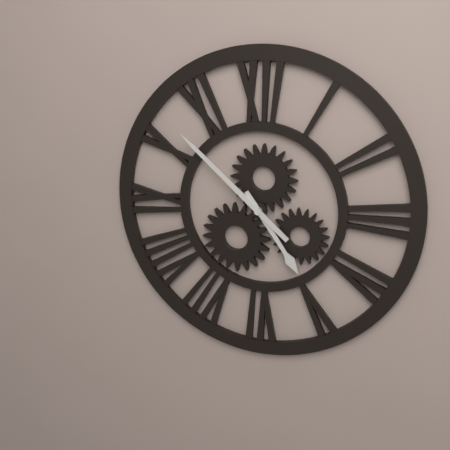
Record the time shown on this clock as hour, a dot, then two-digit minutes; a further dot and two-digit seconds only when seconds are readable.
4.52
